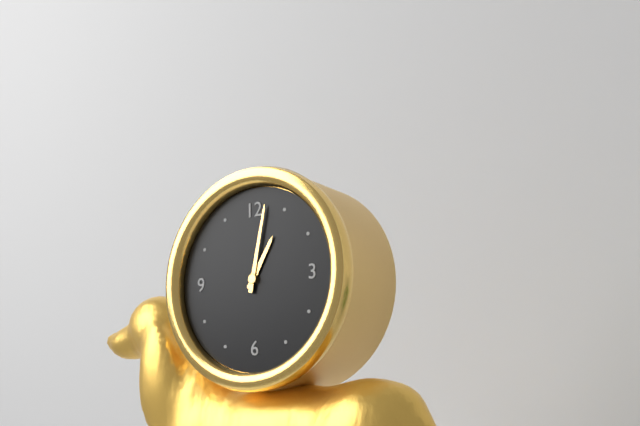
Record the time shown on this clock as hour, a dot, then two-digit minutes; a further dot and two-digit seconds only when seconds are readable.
1.02
